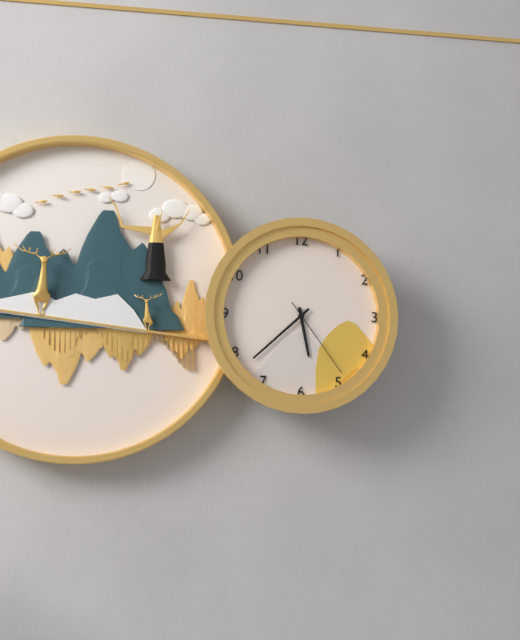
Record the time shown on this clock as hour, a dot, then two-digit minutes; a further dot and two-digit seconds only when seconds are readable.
5.38.24
